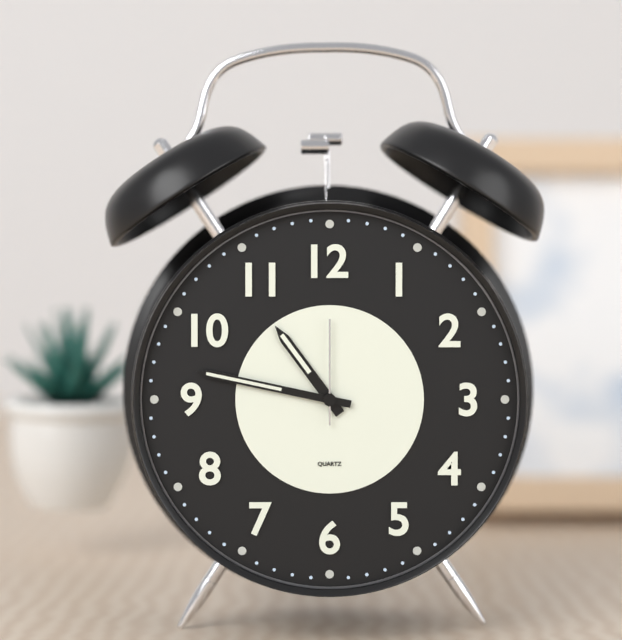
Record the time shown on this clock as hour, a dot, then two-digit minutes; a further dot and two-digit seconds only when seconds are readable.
10.47.00
